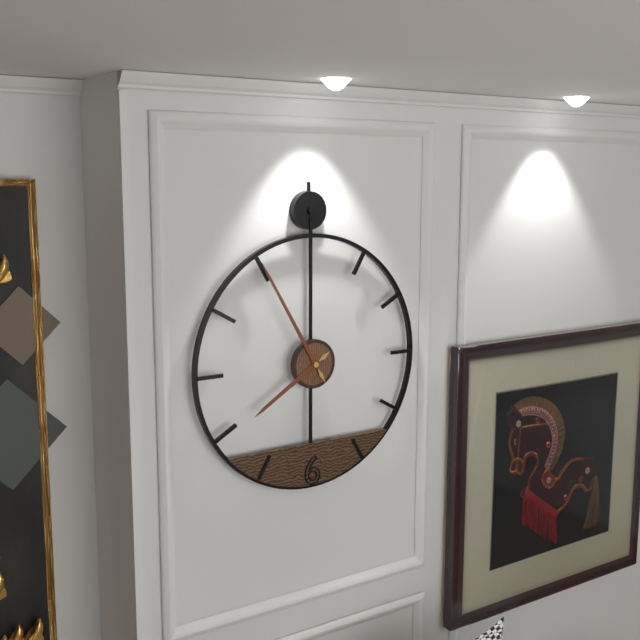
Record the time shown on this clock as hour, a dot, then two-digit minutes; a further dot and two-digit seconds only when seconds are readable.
7.55
